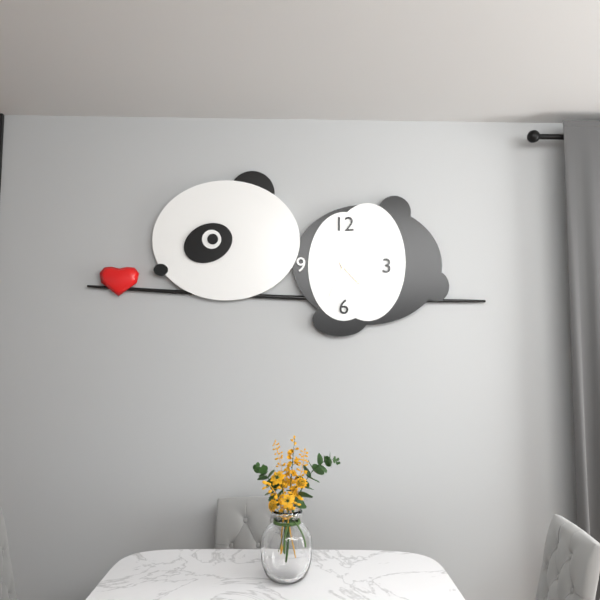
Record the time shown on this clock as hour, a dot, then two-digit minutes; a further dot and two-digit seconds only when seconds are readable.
4.34
